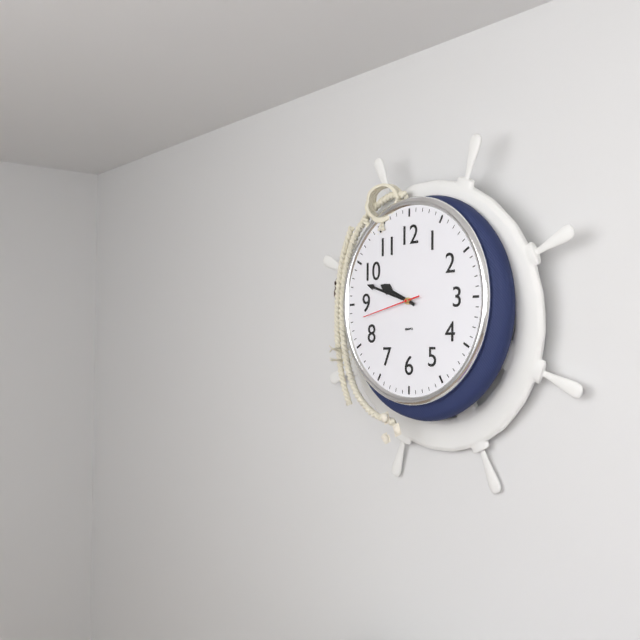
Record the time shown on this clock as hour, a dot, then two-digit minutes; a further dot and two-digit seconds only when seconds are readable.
9.48.43
